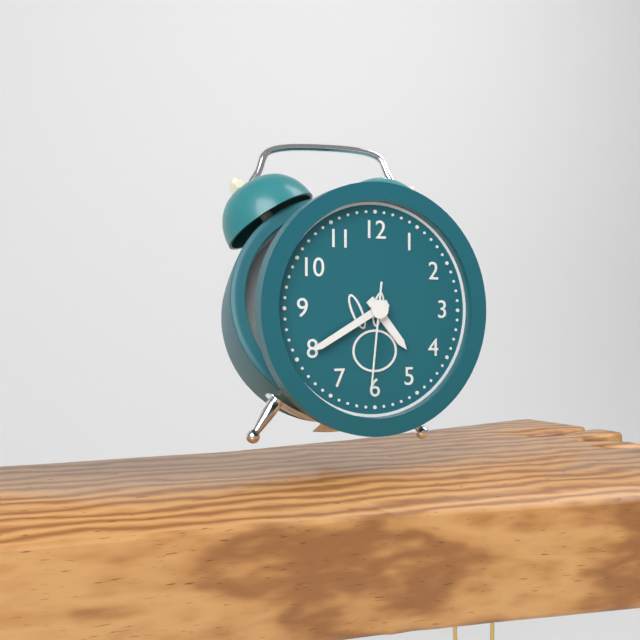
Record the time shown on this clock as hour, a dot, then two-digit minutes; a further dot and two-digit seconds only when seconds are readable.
4.40.31
